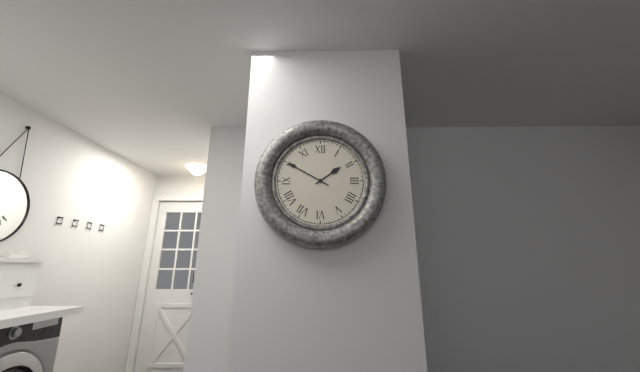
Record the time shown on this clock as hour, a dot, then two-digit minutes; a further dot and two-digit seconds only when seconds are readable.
1.50
